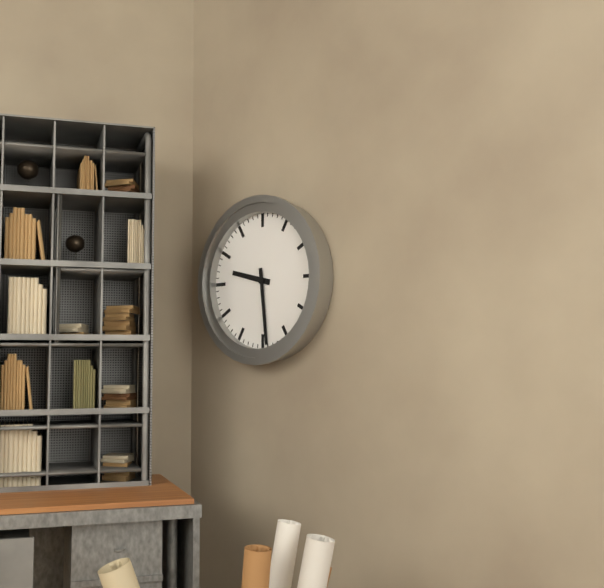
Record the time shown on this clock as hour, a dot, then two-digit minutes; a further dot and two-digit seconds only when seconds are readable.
9.29
